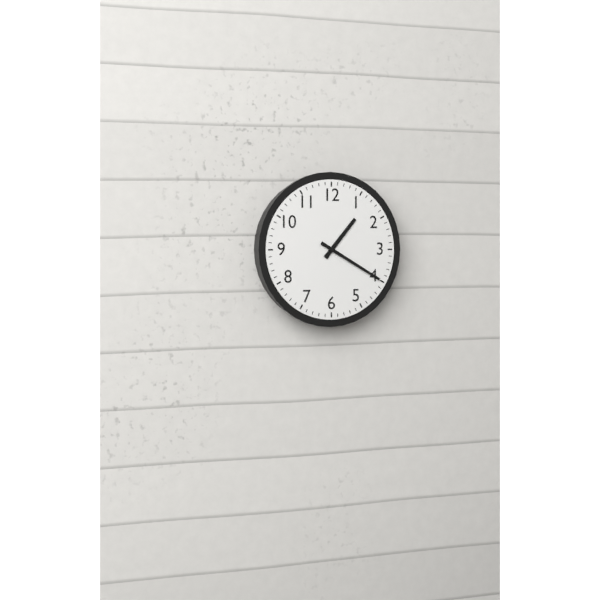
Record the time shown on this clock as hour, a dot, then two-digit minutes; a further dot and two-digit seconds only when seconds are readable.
1.20
